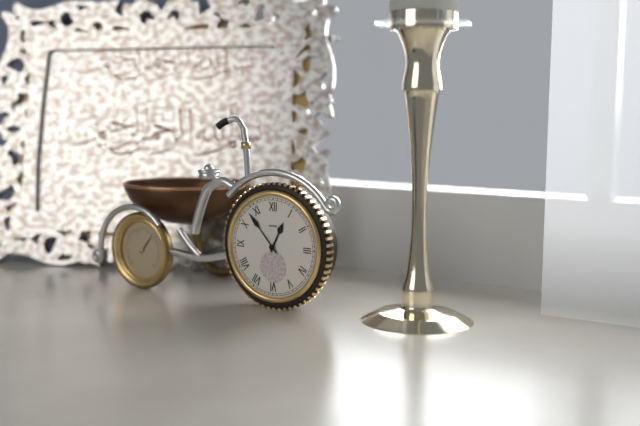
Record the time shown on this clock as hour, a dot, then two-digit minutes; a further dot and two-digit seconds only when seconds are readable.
12.53
